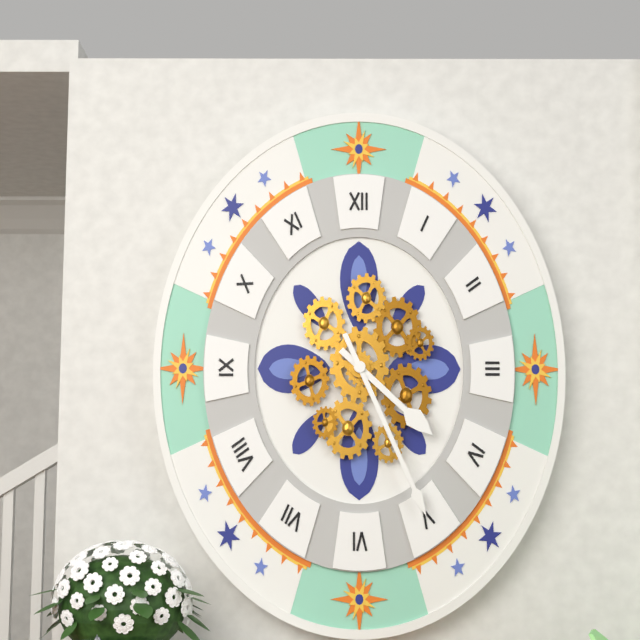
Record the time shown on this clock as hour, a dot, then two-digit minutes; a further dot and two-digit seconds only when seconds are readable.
4.26
